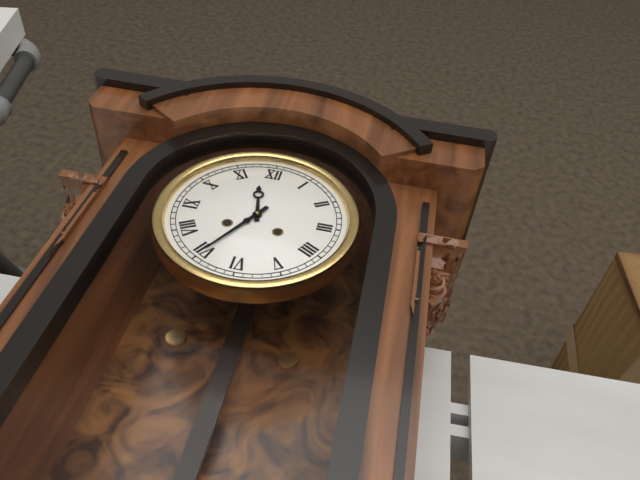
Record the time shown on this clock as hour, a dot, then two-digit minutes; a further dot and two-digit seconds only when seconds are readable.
11.35
